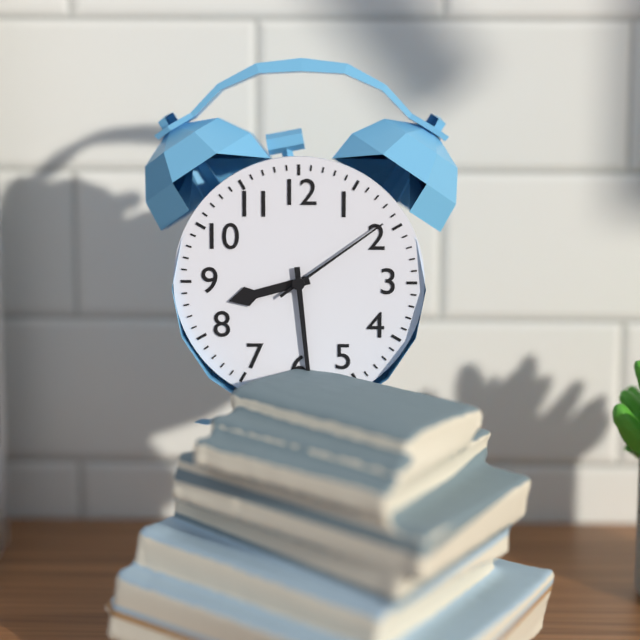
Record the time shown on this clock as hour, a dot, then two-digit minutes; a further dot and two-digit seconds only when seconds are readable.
8.29.09
